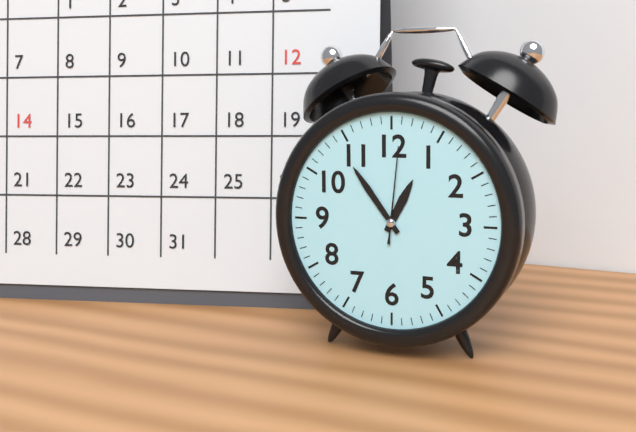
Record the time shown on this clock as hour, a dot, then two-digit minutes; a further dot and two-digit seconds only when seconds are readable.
12.54.01
